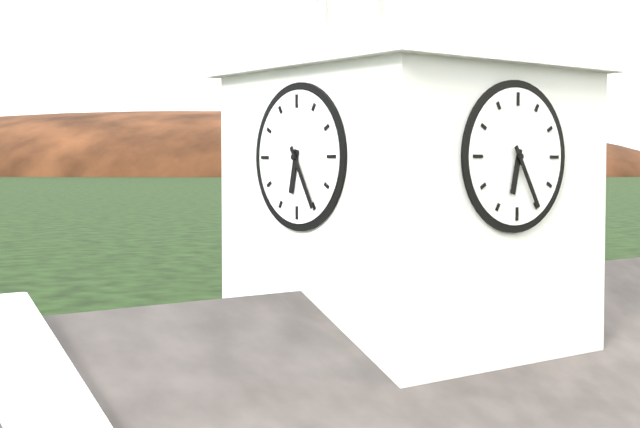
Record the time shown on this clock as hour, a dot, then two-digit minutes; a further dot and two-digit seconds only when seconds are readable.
6.25
